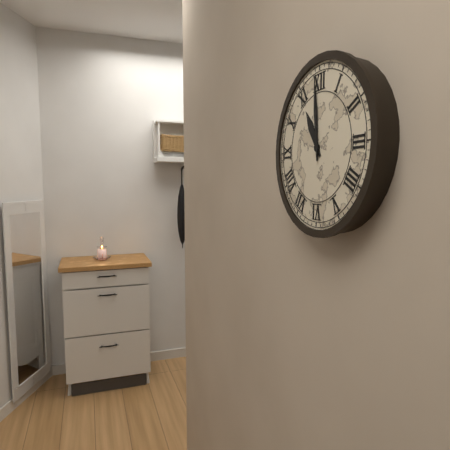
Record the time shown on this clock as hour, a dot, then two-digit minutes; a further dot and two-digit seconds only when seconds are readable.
10.59
